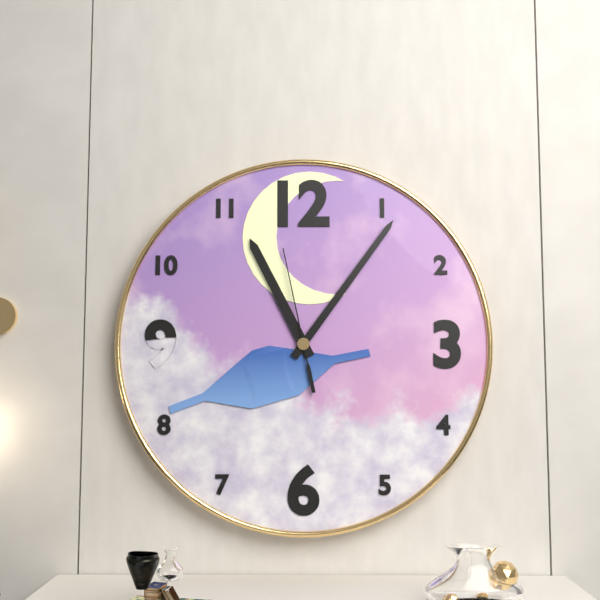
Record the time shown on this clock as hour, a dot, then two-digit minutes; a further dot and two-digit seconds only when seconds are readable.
11.06.58
